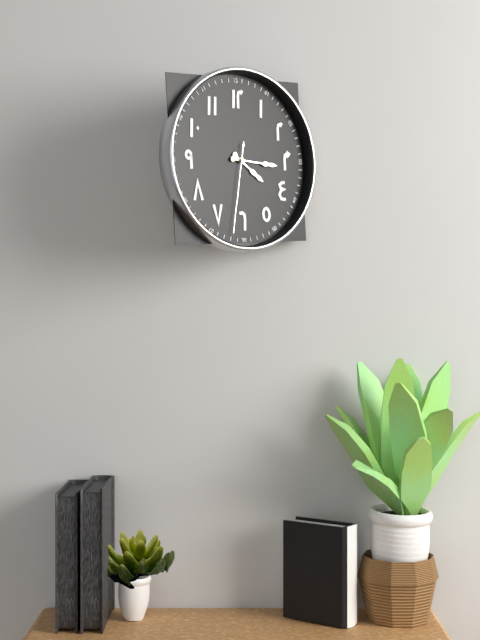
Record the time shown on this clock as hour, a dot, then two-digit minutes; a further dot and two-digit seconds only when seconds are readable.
4.16.32
